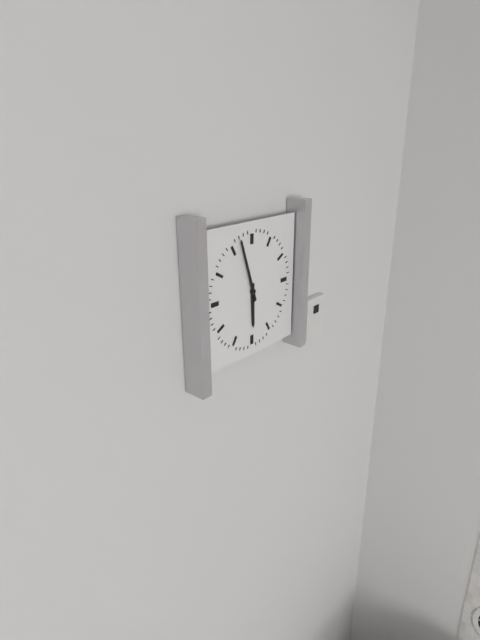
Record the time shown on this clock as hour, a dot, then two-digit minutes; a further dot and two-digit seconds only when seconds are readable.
5.57
